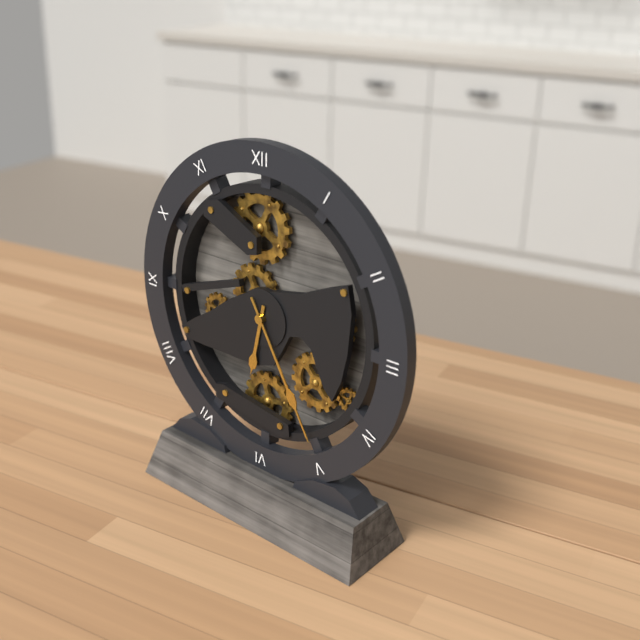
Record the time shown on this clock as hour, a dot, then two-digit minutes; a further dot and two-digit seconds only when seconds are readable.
6.25
